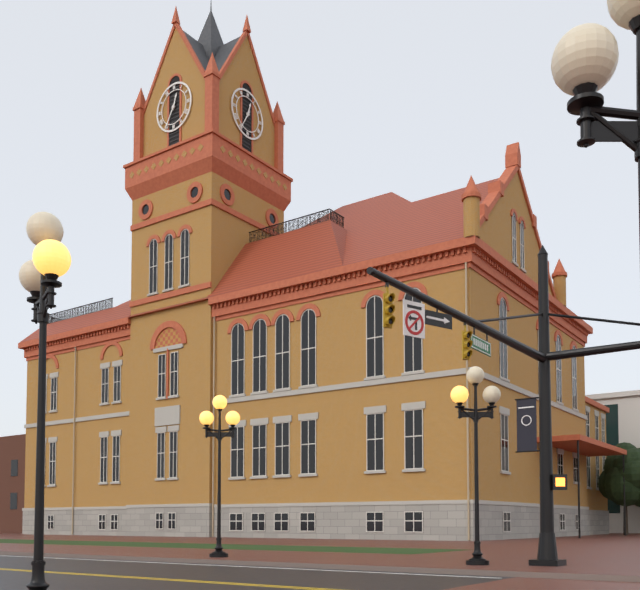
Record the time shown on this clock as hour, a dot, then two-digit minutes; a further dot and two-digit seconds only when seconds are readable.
12.35
